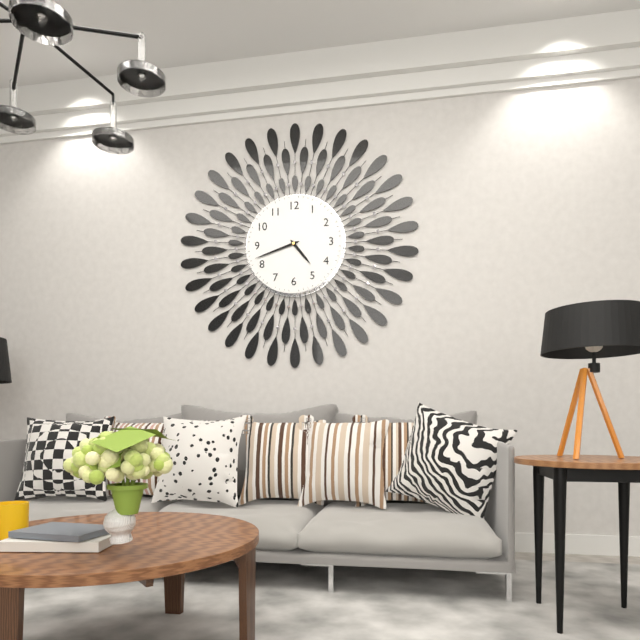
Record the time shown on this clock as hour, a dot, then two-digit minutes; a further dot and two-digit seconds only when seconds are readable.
4.42
